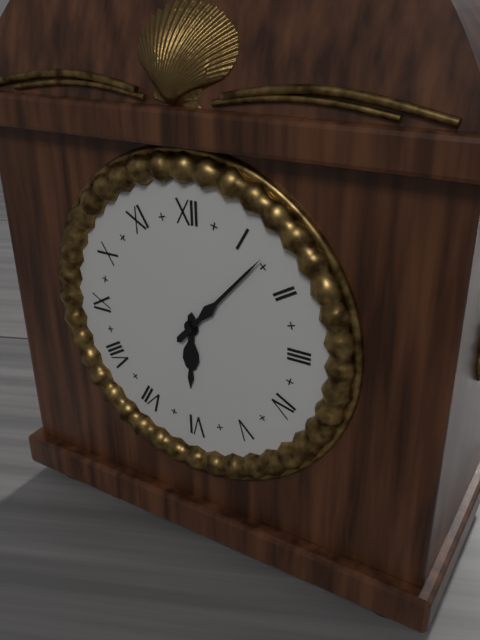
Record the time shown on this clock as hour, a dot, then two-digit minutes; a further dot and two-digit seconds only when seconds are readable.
6.07
